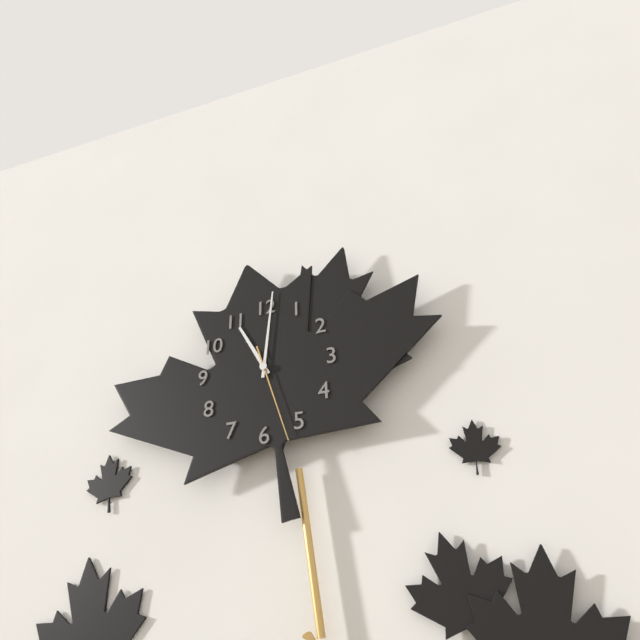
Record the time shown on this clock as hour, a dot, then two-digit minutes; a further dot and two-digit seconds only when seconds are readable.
11.01.27
